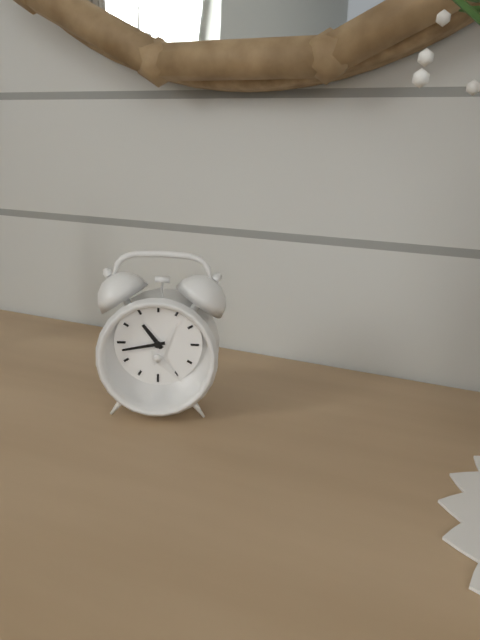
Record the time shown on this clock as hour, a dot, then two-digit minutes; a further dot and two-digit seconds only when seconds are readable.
10.43
